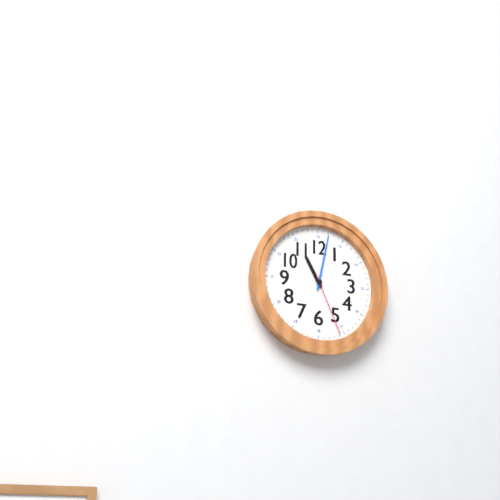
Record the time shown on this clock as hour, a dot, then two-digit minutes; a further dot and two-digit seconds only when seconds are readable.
11.02.26
